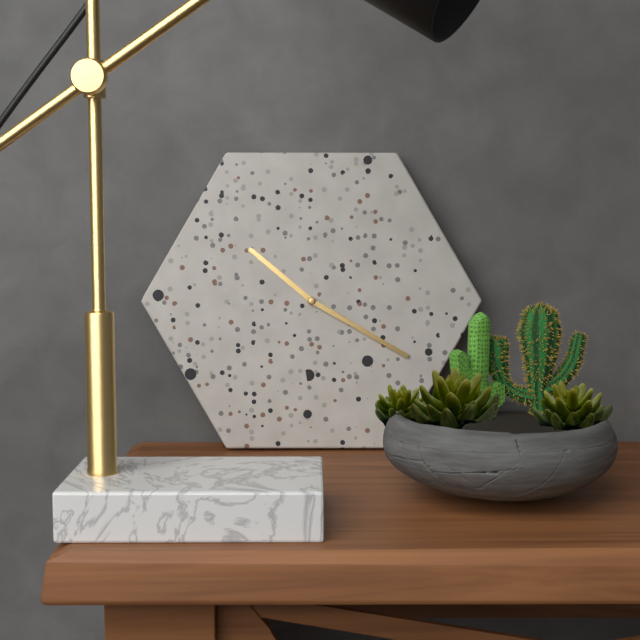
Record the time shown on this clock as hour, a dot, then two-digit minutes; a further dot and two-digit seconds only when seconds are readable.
10.20
